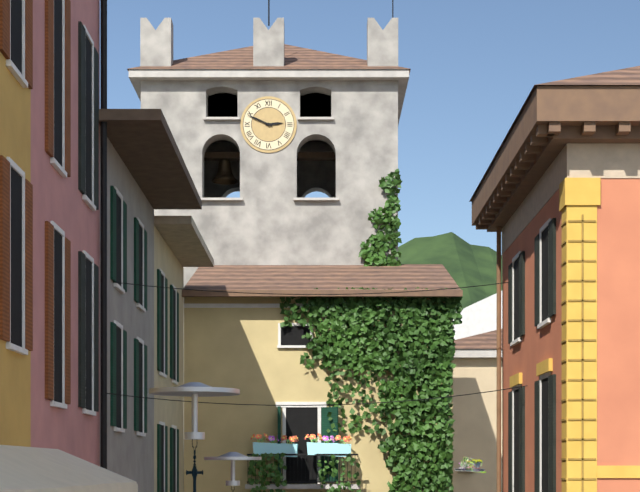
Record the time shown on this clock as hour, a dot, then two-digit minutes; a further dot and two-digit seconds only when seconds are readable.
2.49
